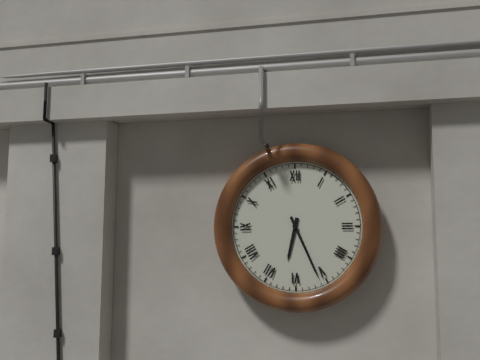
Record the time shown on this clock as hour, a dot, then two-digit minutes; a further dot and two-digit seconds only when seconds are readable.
6.26
